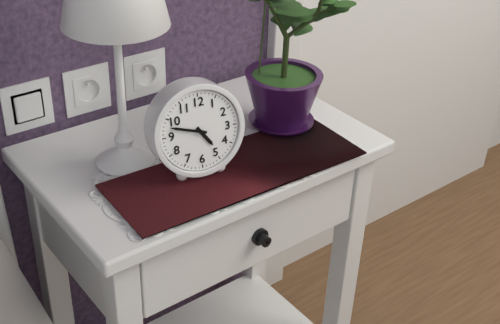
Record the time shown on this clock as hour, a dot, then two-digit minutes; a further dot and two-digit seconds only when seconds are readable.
4.48
